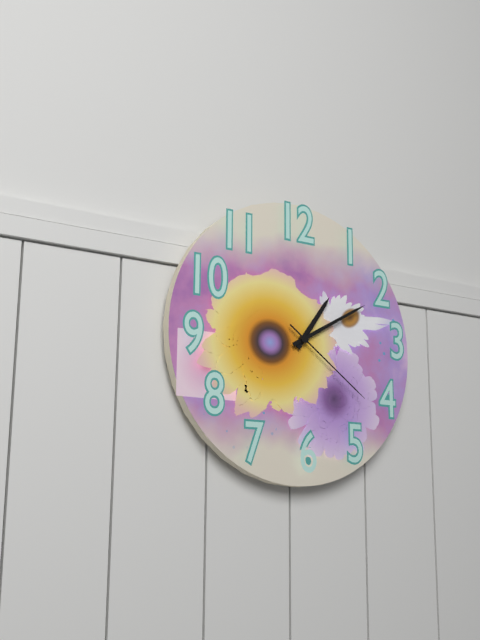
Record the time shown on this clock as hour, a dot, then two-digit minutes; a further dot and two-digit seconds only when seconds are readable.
1.10.21
